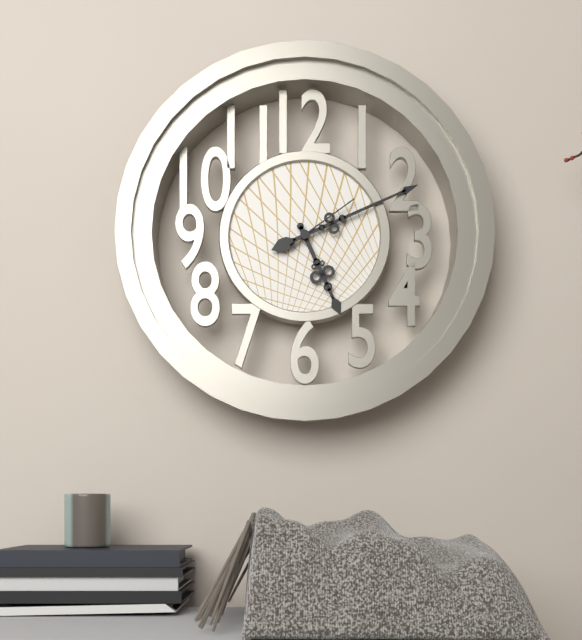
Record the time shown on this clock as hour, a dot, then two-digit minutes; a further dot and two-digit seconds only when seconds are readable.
5.11.09
